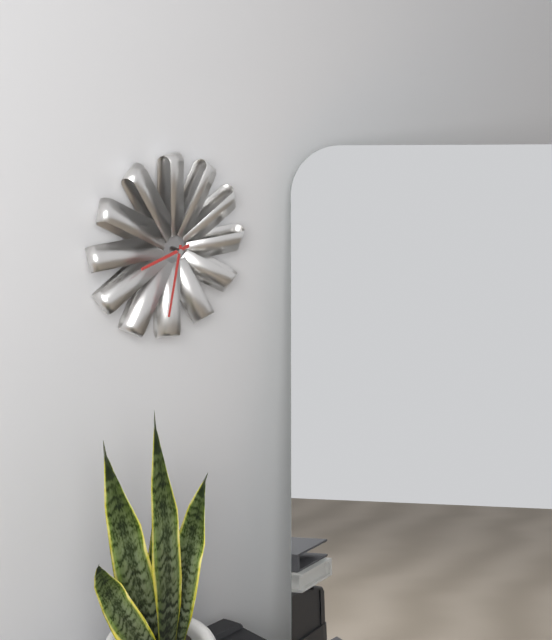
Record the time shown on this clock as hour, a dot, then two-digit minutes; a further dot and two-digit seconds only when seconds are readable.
8.32
